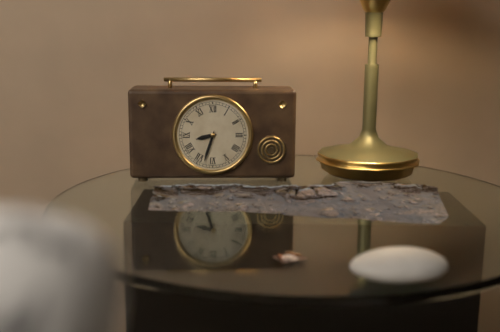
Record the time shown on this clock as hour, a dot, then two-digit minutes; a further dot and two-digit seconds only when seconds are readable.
8.33
